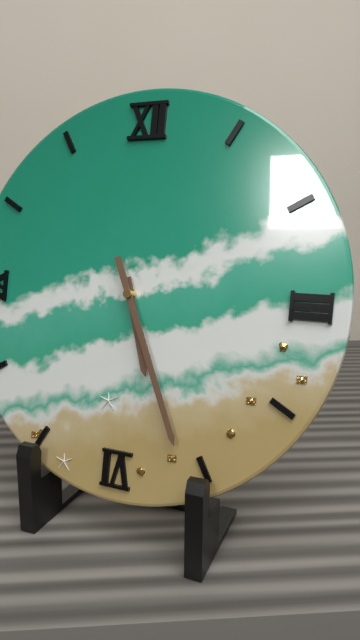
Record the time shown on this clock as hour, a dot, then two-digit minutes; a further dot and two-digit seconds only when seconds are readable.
5.26
